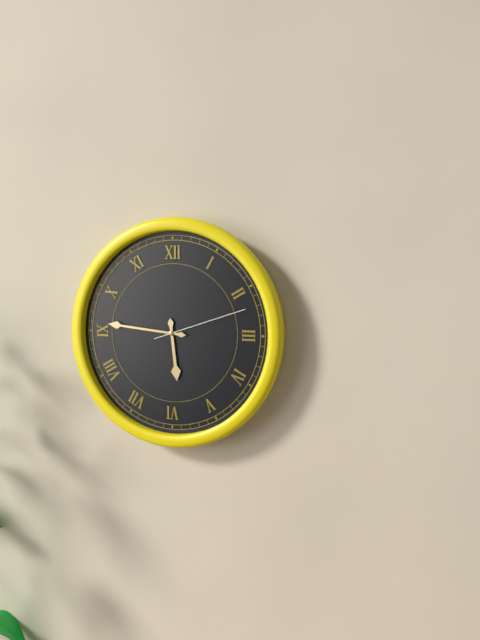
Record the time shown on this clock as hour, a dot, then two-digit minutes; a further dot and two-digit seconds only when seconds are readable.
5.46.12
